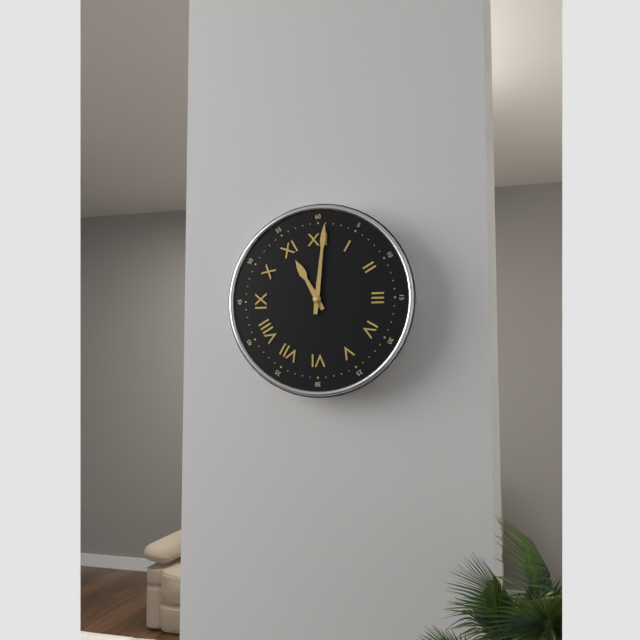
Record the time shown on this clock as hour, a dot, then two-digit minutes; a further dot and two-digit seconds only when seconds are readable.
11.01
